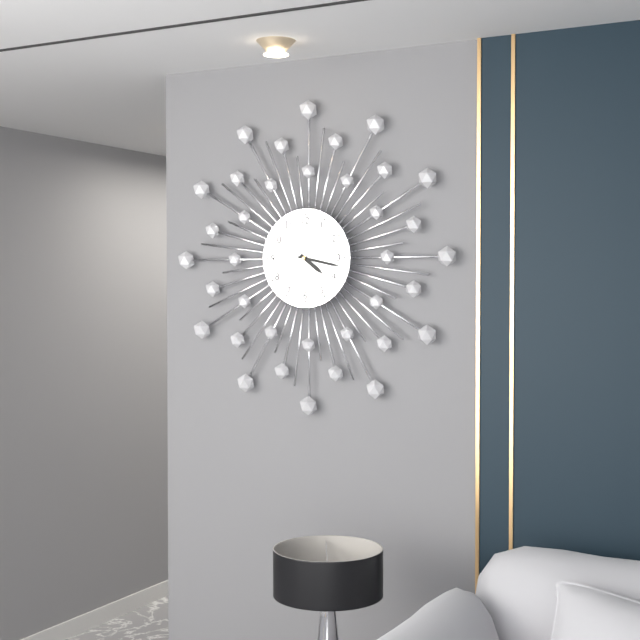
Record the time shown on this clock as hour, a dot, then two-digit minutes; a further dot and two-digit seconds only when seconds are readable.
4.17.34
